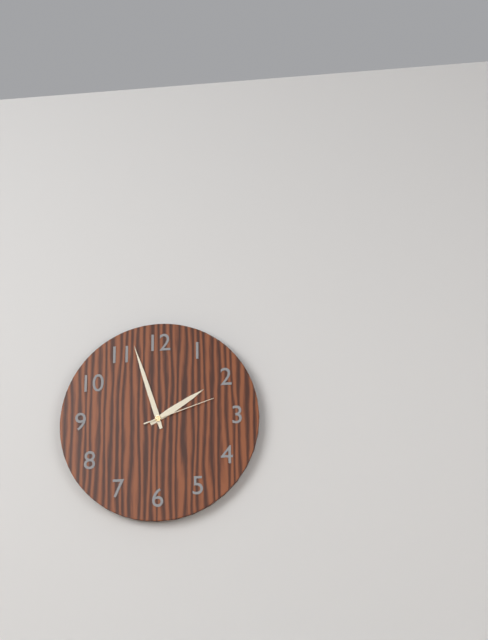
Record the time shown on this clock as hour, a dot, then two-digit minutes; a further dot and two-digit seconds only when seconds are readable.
1.57.12
